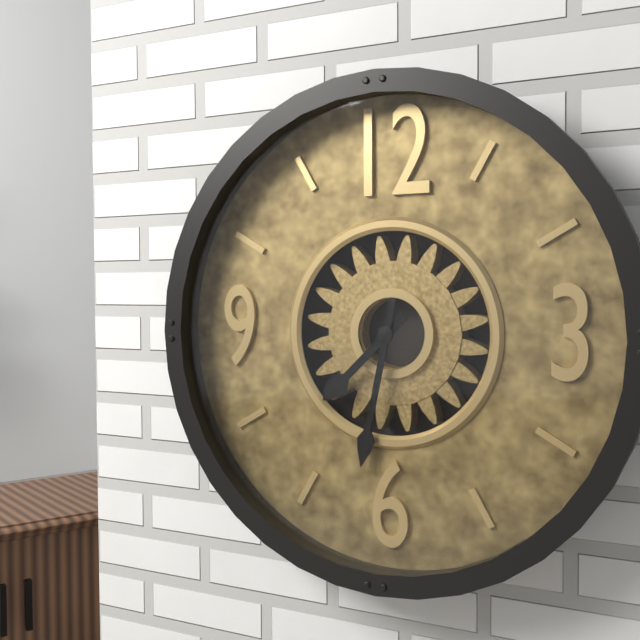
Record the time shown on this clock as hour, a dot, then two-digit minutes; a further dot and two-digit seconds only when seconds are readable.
7.32
